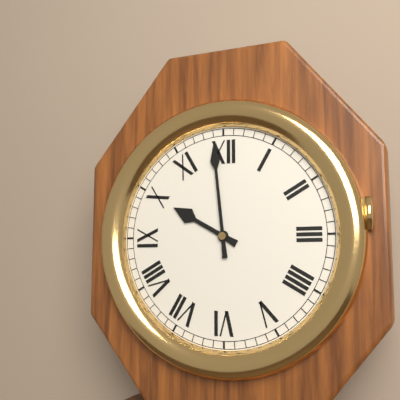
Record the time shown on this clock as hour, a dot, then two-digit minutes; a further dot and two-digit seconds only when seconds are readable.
9.59
